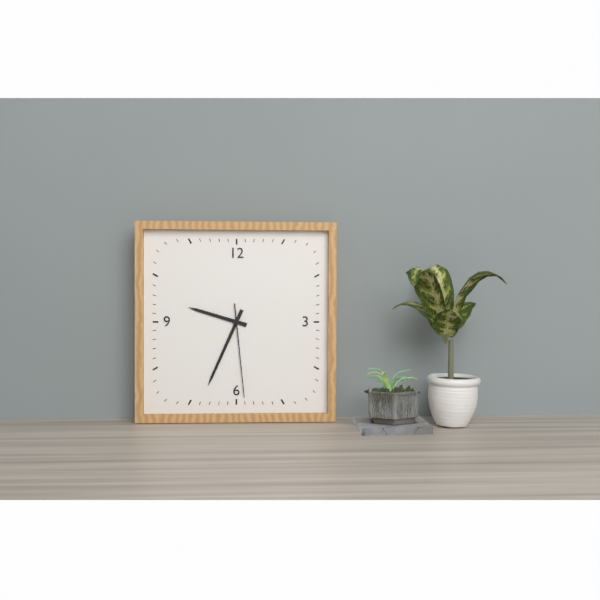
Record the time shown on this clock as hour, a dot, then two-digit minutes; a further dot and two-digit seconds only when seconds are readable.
9.34.29
